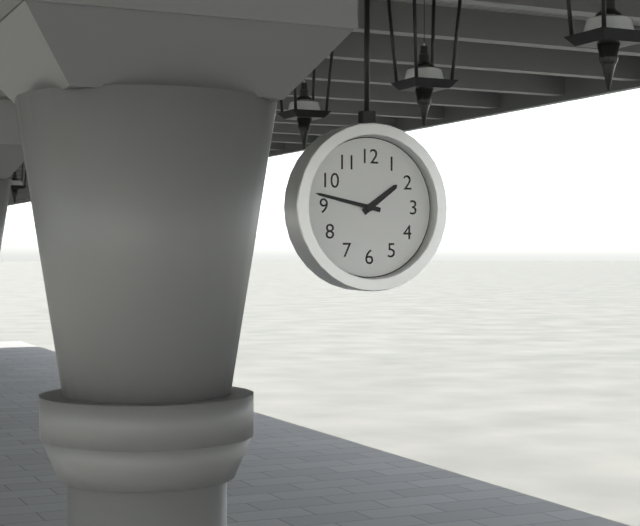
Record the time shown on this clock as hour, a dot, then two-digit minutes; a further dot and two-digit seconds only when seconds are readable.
1.47
